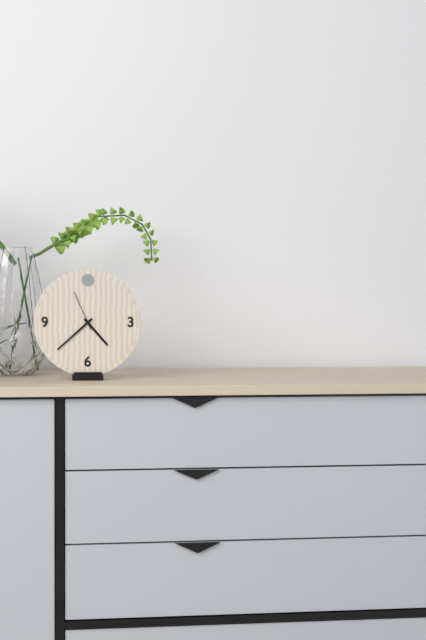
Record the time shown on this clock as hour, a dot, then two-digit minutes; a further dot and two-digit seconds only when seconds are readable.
4.38
